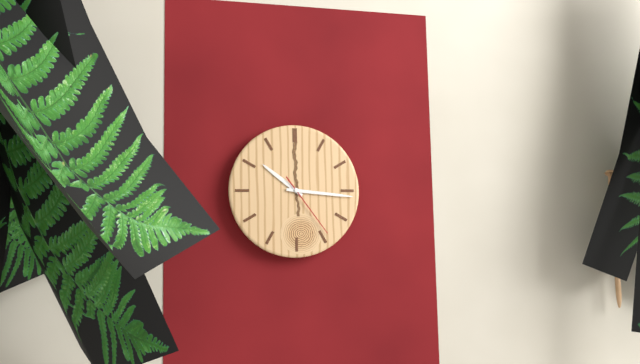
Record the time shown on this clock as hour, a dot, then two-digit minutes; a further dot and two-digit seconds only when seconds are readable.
10.16.24
